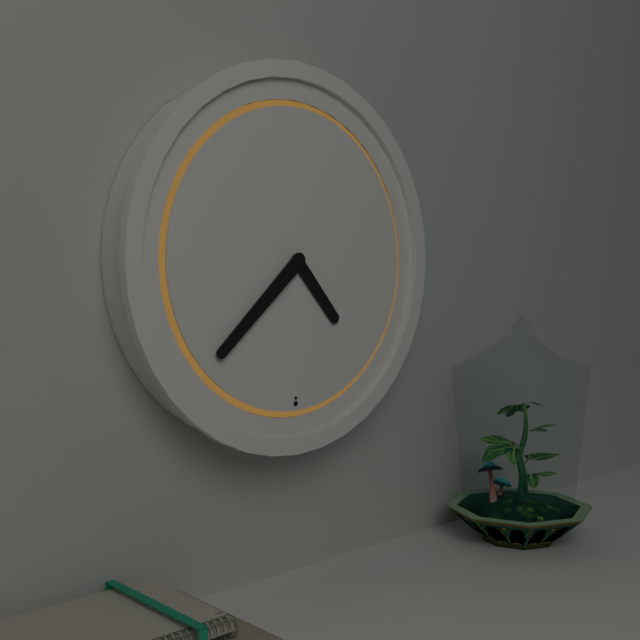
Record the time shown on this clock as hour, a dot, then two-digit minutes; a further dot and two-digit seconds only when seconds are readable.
4.38
